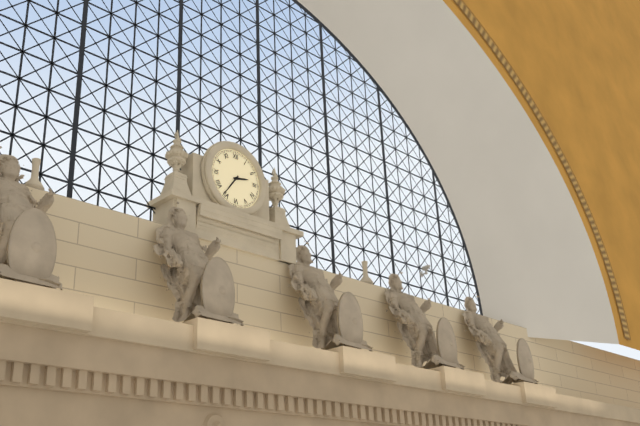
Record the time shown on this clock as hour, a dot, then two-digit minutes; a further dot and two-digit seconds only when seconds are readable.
2.36
